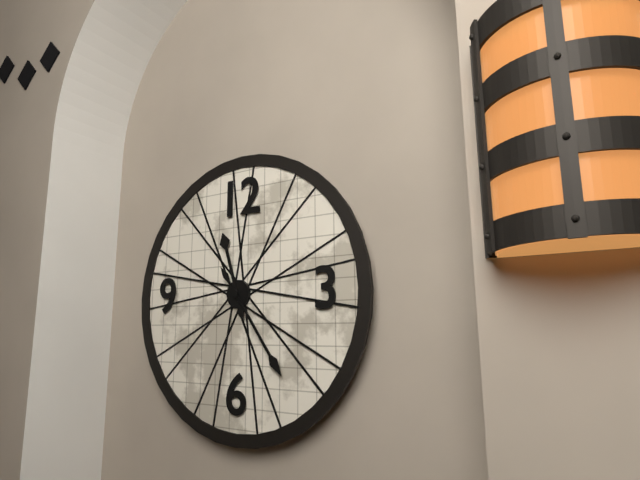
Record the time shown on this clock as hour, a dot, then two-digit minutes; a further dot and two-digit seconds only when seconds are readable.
11.24
